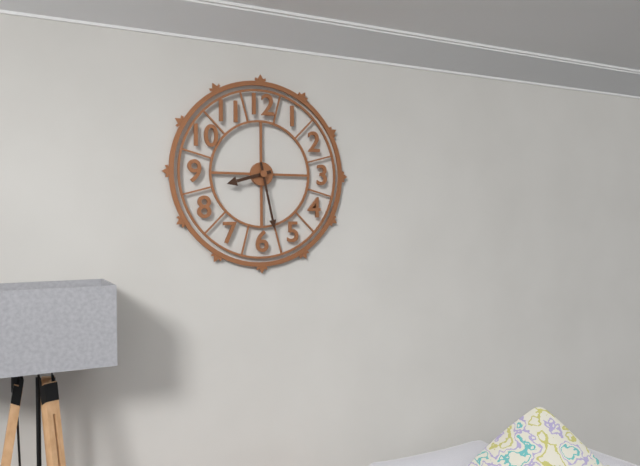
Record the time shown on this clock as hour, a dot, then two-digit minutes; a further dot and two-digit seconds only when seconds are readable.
8.28
